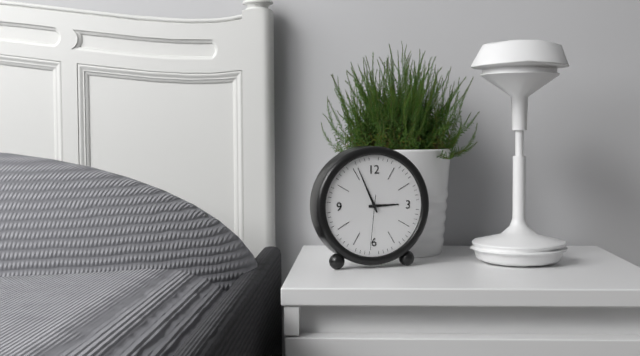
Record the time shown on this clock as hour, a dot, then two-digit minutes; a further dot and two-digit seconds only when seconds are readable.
2.56.31
